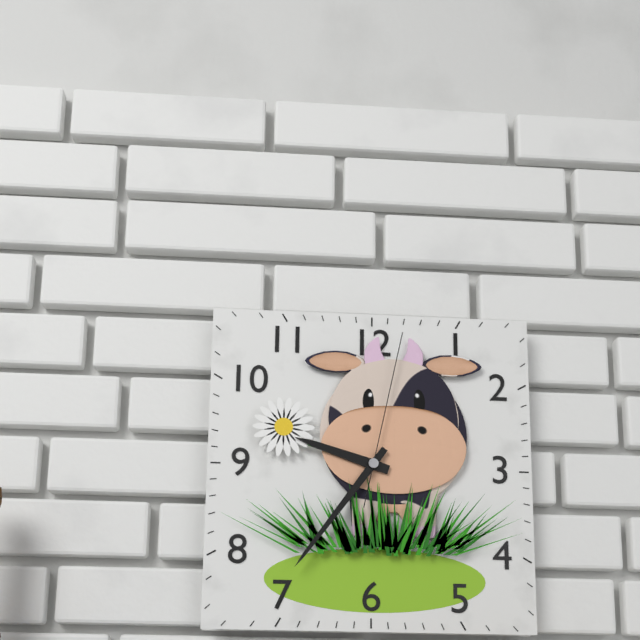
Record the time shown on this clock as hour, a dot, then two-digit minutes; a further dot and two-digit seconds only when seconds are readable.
9.36.02
